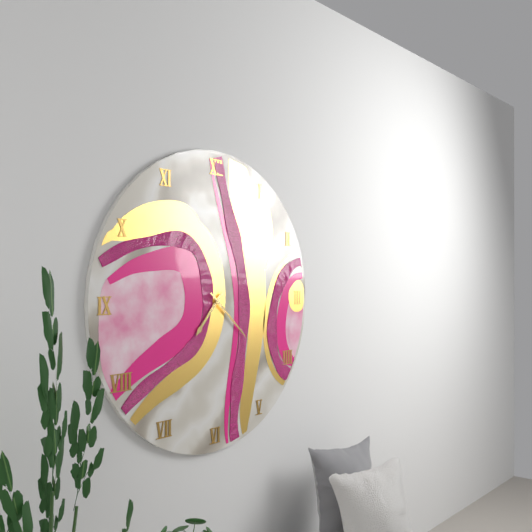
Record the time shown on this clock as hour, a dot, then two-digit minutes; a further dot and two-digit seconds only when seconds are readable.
7.22
